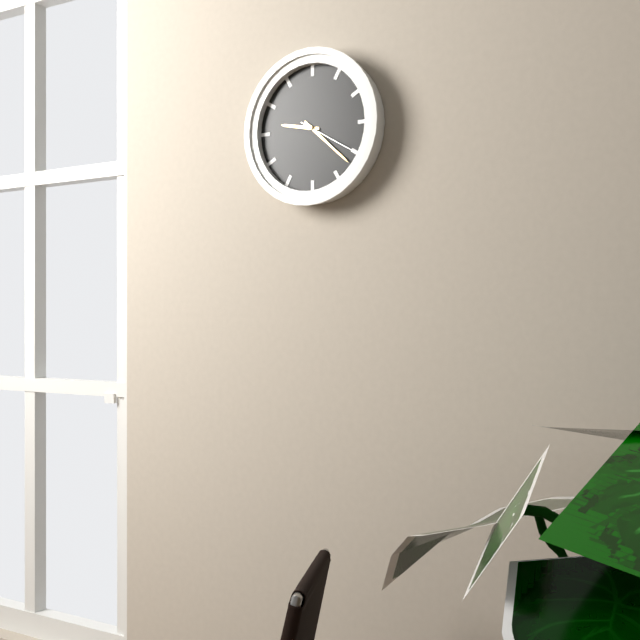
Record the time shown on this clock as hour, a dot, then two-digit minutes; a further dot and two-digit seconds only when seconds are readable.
9.22.20
